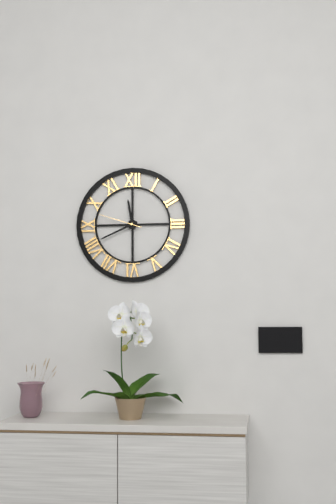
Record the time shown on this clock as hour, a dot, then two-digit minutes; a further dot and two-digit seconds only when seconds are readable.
11.41
